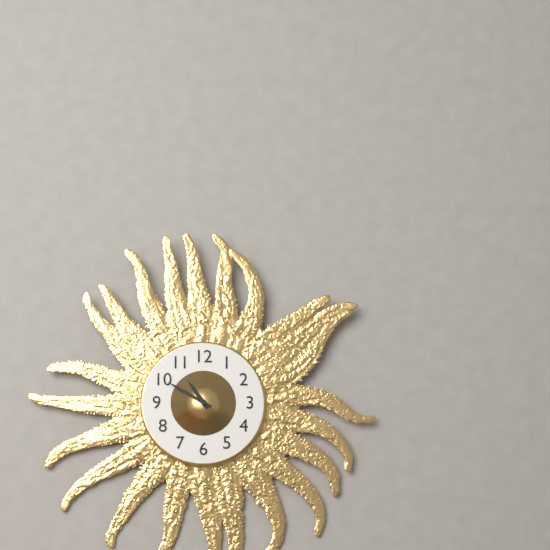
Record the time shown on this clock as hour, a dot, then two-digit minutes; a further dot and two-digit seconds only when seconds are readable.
10.50
